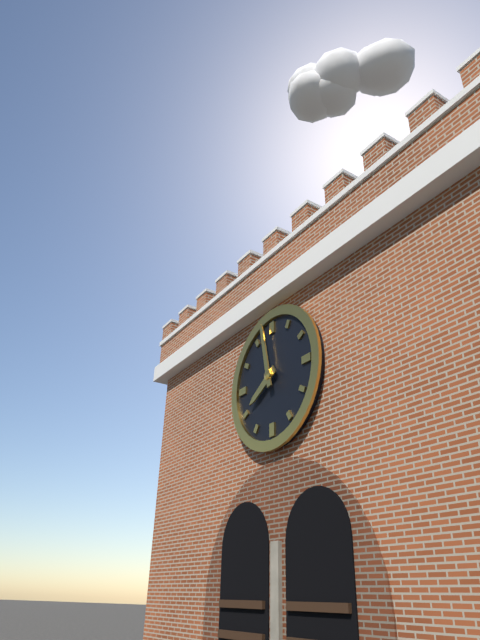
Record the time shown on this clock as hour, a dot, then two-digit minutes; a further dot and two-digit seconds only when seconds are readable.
7.58
